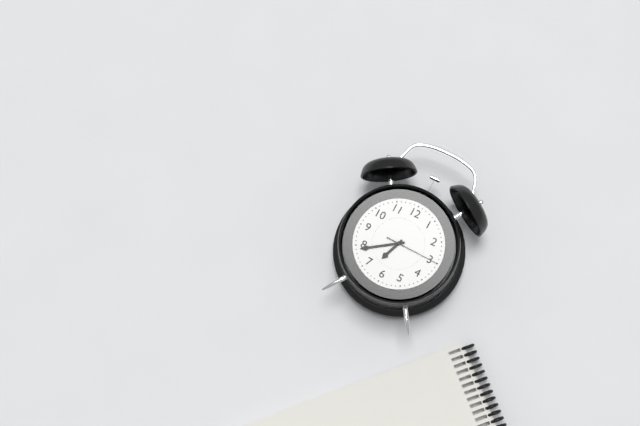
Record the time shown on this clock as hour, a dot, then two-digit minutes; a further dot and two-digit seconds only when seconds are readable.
6.39.15
